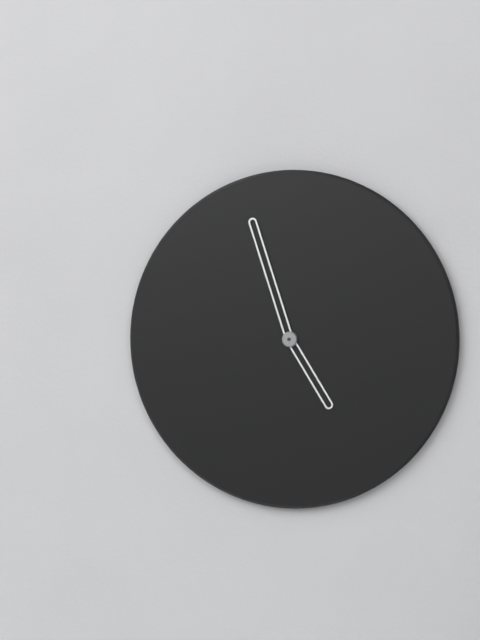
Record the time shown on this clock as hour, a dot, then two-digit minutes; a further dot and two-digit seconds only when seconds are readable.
4.57
